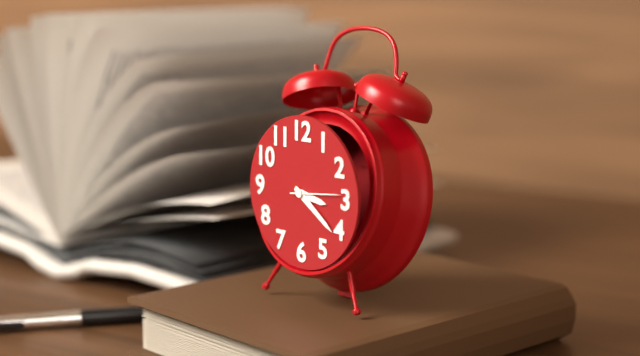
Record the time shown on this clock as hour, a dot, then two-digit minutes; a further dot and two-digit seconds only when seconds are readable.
3.21.14
